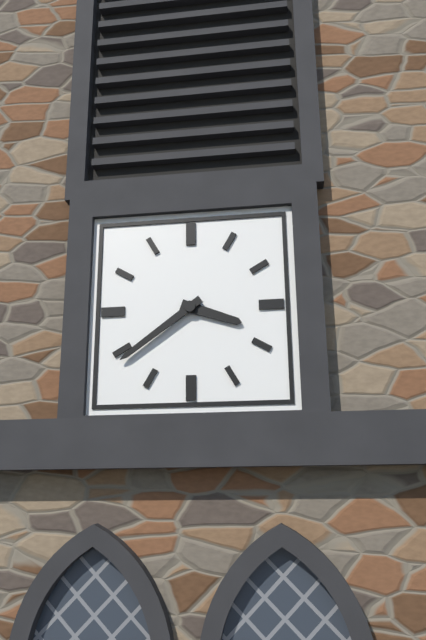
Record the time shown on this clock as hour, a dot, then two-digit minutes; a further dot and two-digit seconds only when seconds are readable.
3.39
